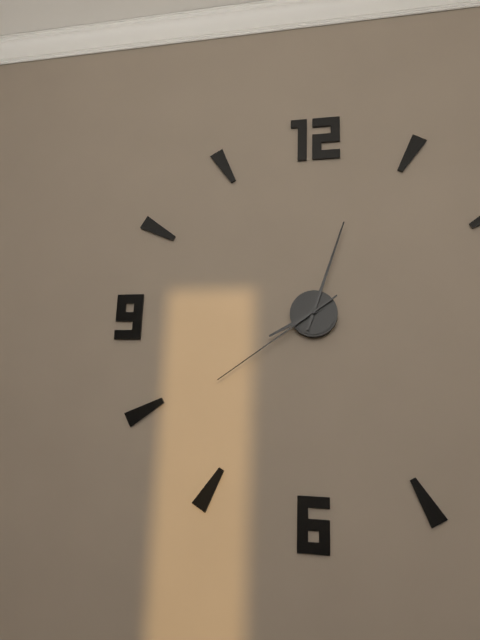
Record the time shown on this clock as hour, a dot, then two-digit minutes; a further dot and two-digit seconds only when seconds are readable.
8.03.39
